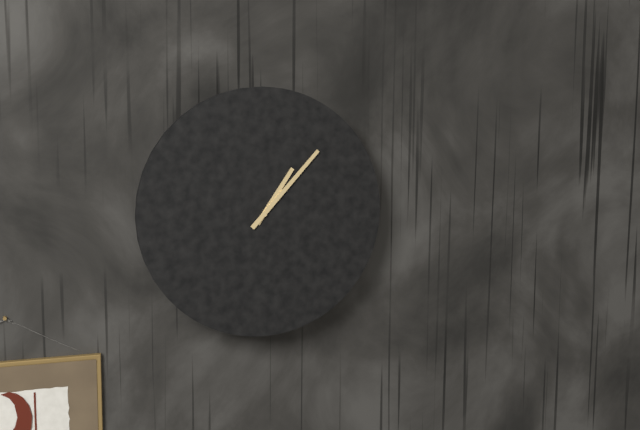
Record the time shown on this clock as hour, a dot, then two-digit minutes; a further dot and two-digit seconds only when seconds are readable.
1.07
